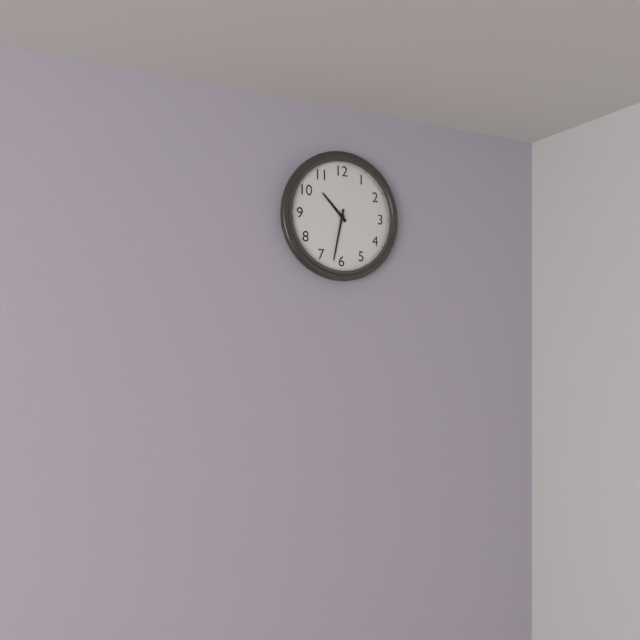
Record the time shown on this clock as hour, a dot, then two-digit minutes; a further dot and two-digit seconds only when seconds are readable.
10.32
